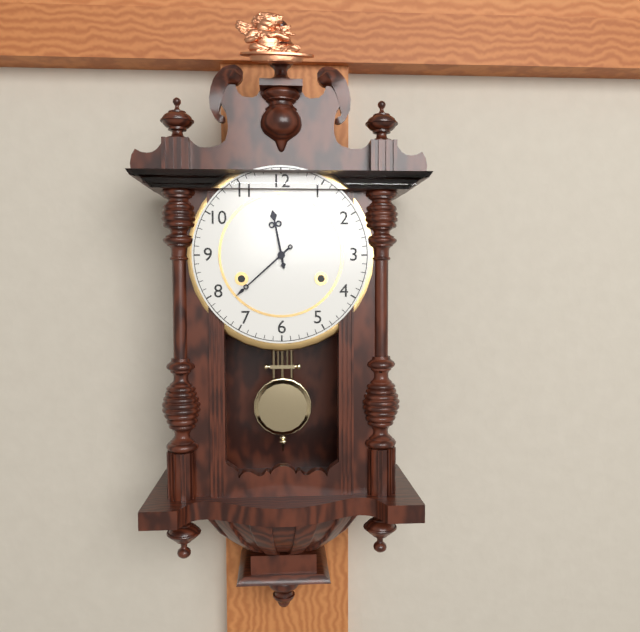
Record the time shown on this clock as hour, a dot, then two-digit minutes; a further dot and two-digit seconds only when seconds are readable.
11.38
